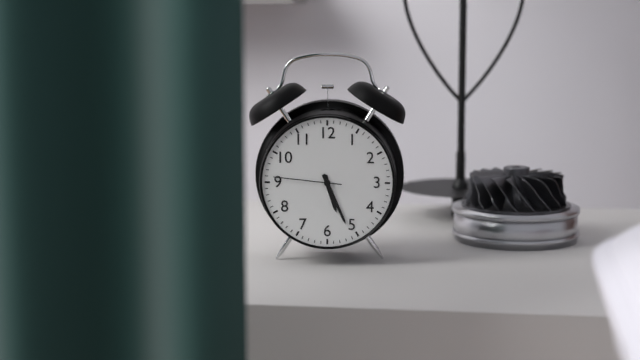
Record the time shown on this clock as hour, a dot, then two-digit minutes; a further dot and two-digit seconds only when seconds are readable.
5.26.46
